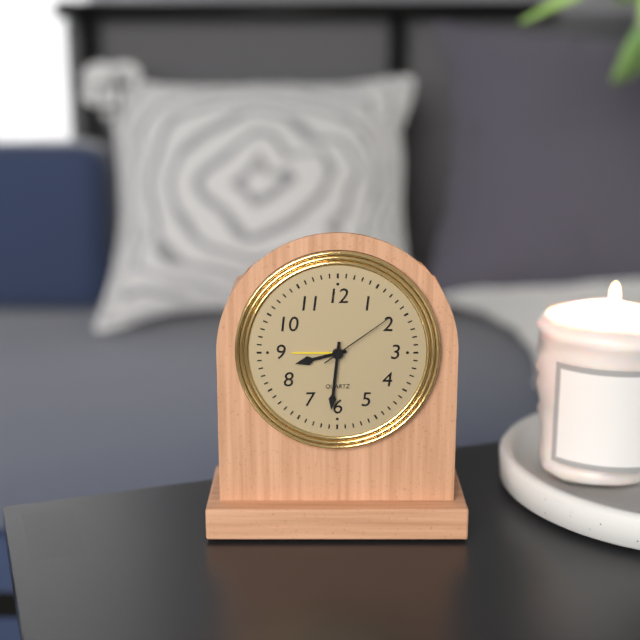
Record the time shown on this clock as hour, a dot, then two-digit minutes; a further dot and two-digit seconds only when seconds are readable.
8.31.09
